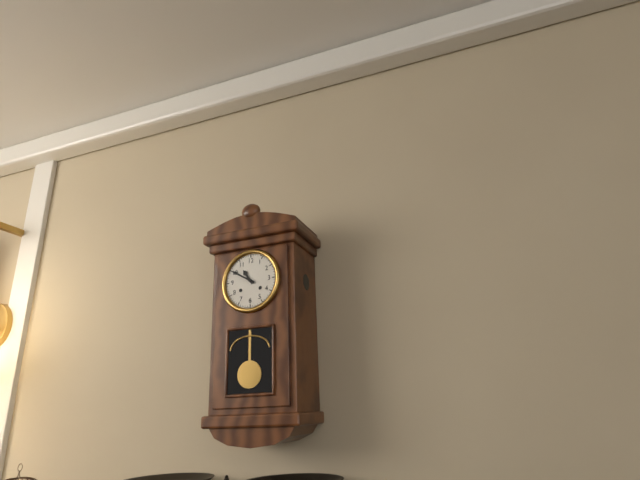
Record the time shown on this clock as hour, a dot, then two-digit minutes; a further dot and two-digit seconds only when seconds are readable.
10.50
